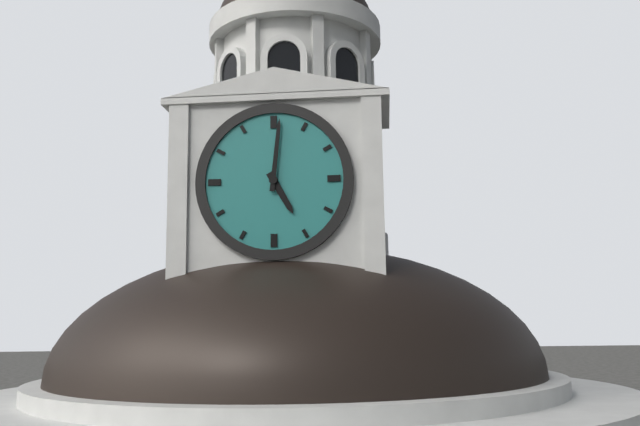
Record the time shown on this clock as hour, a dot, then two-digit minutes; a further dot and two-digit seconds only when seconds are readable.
5.01
